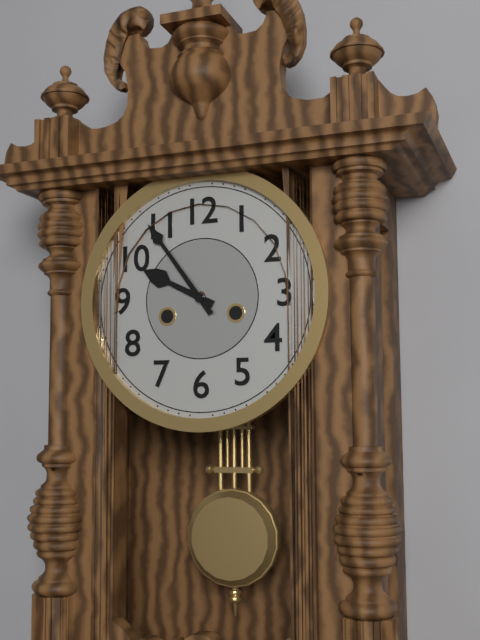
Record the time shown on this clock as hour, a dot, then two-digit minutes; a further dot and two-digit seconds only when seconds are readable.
9.54
